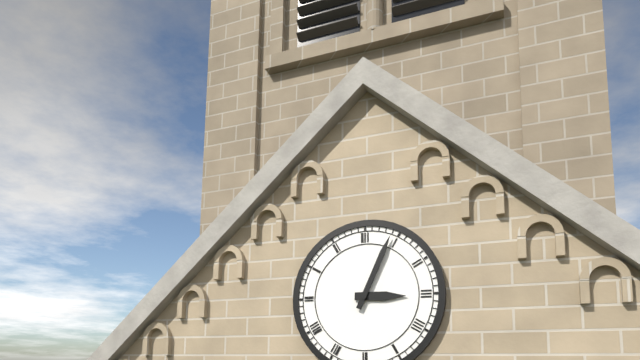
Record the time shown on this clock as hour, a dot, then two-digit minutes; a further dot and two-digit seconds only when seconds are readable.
3.04
